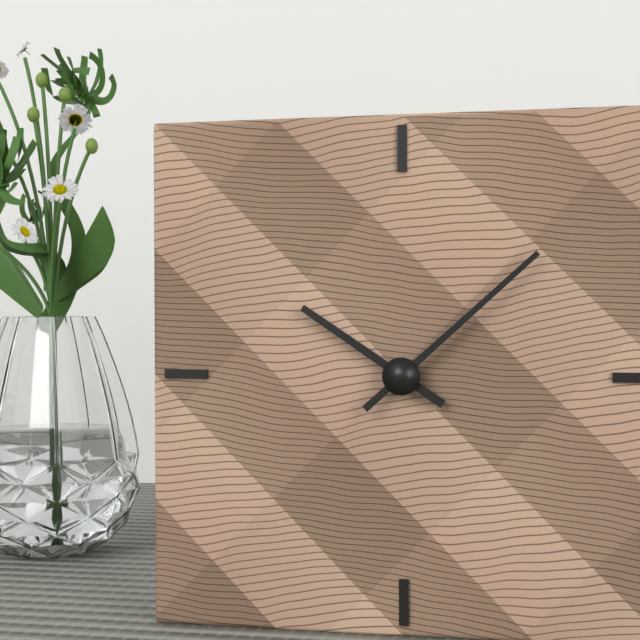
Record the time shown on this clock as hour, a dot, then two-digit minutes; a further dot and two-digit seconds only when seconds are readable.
10.08
